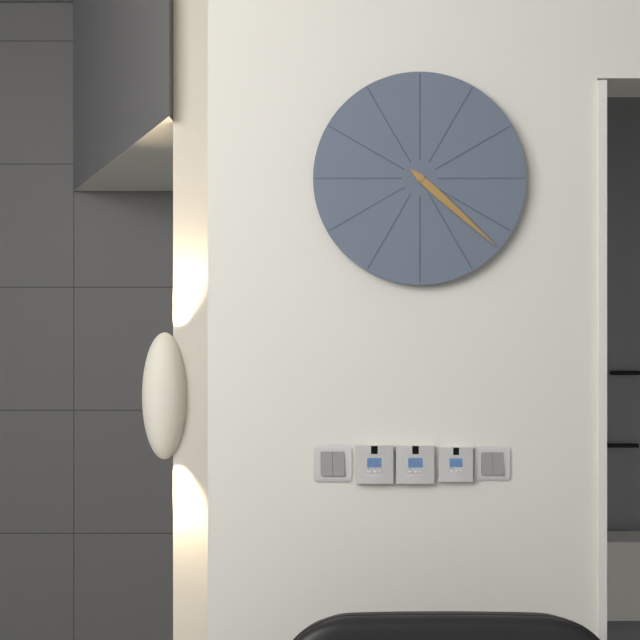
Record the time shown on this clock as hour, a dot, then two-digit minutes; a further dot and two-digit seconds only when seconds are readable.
4.22
